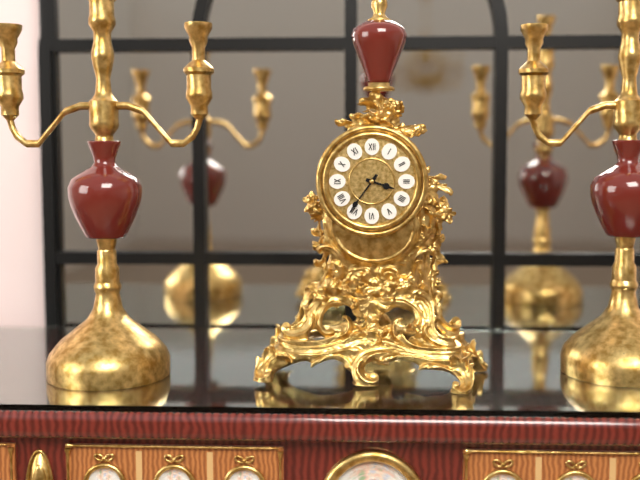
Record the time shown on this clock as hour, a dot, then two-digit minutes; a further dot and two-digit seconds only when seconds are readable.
3.36
